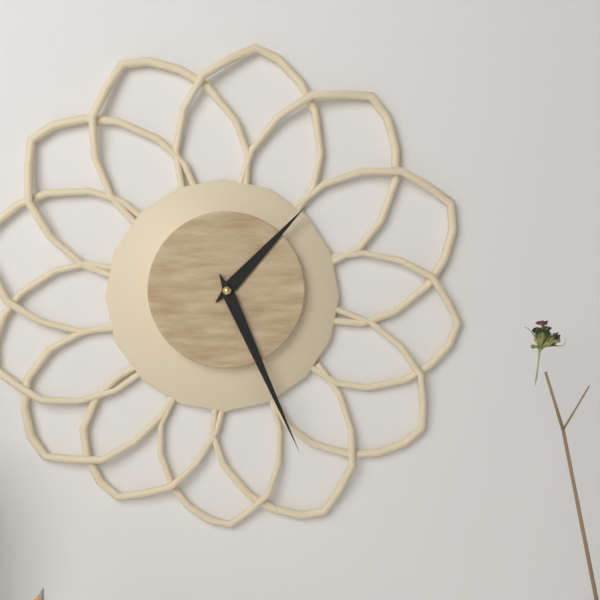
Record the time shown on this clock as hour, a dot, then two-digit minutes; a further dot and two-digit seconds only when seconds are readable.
1.26
